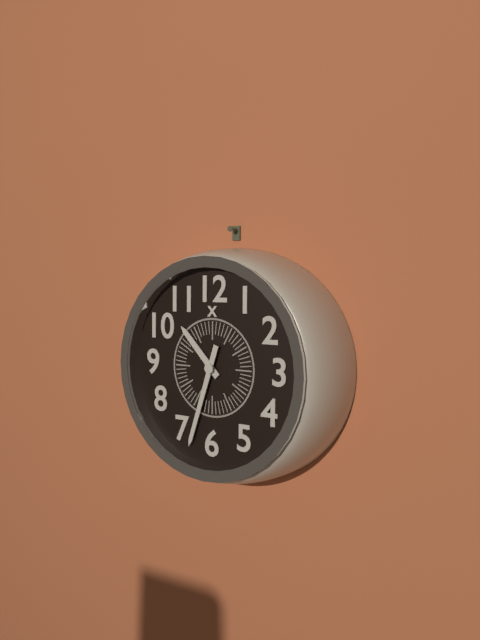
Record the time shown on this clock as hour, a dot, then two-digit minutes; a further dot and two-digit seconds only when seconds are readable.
10.33
